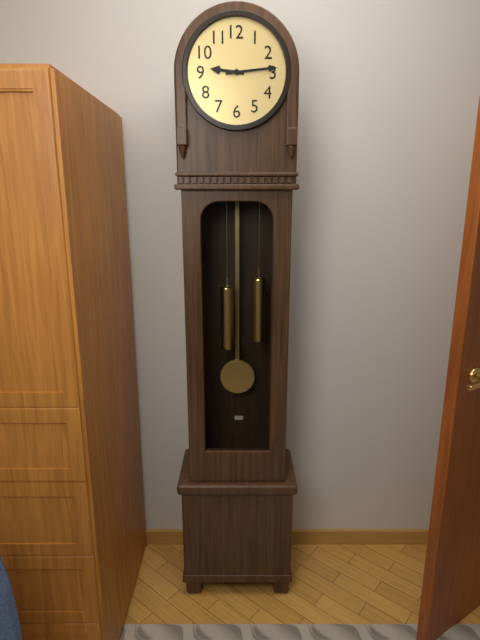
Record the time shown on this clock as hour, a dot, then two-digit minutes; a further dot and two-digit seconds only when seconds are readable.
9.14
